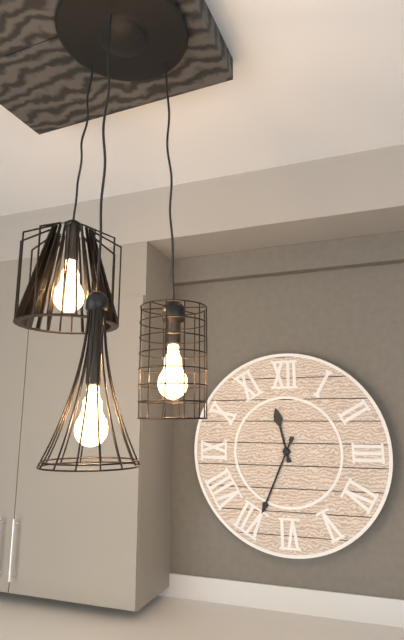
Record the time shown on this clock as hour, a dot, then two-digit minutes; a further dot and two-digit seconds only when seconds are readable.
11.34
